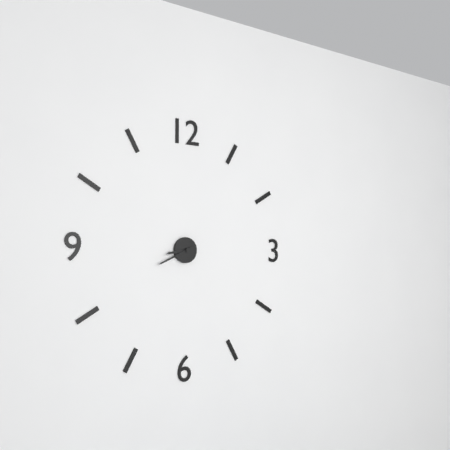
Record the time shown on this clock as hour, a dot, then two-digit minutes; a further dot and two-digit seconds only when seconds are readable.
8.41
